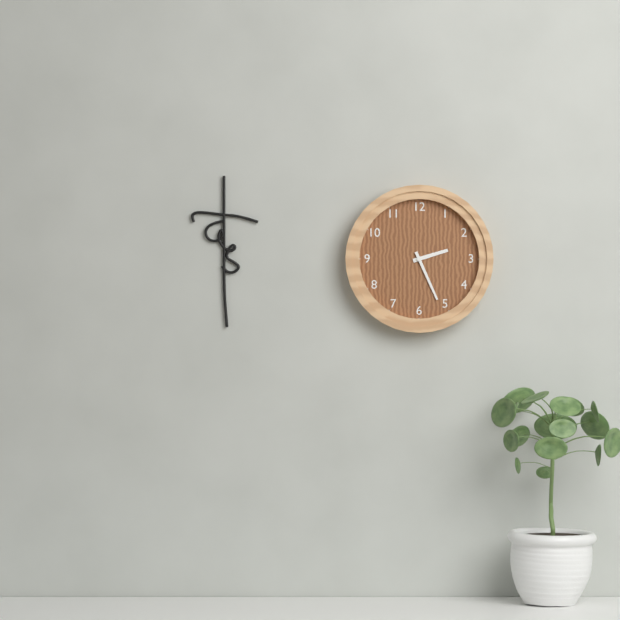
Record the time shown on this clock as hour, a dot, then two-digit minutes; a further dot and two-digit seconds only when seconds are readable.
2.26
